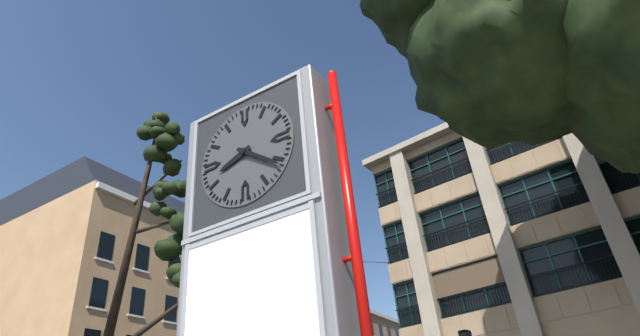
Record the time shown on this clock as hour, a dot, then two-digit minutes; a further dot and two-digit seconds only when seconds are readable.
8.21
